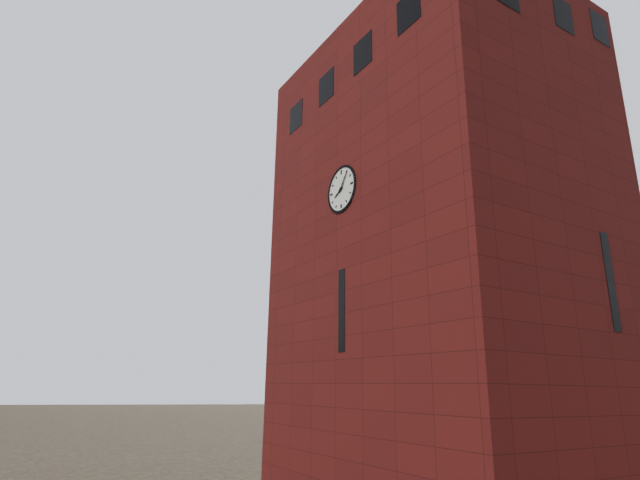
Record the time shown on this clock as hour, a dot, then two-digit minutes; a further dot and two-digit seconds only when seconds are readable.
8.06
